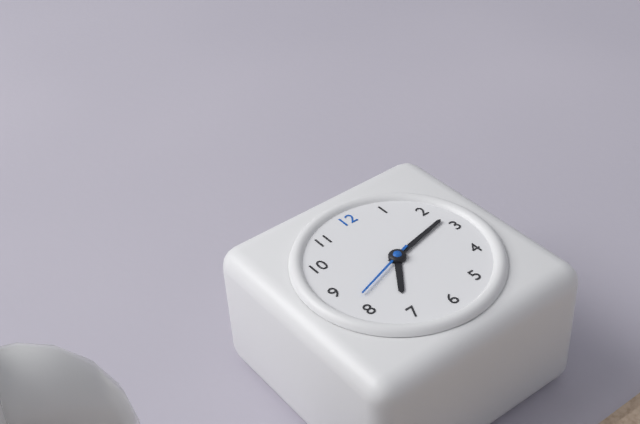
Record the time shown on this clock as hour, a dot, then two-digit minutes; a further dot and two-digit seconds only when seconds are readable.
7.13.42
